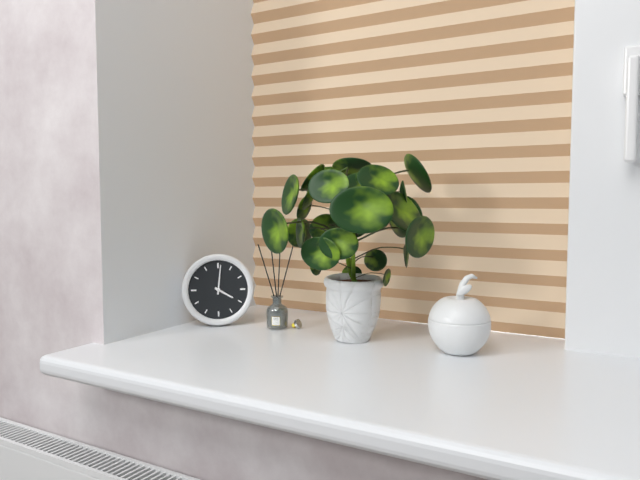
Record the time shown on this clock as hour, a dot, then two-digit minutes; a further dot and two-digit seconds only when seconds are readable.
4.01
